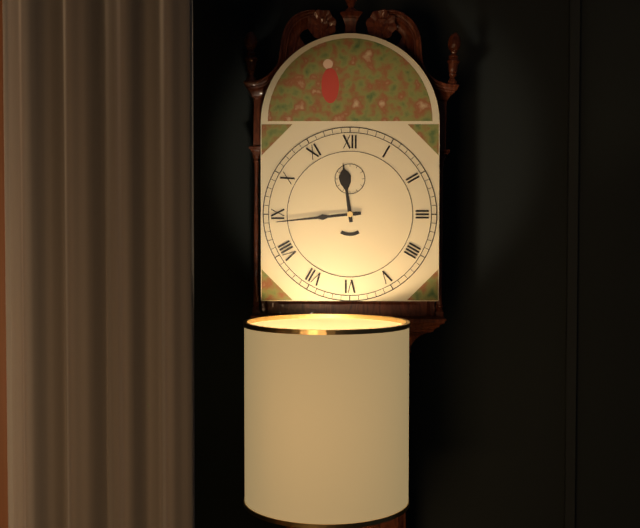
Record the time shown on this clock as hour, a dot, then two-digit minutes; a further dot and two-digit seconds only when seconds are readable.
11.44
